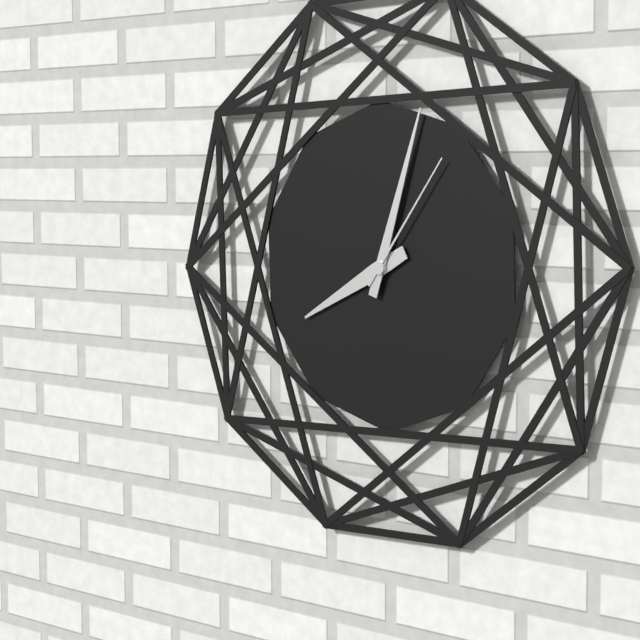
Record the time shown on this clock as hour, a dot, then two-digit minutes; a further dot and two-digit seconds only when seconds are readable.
8.03.06
